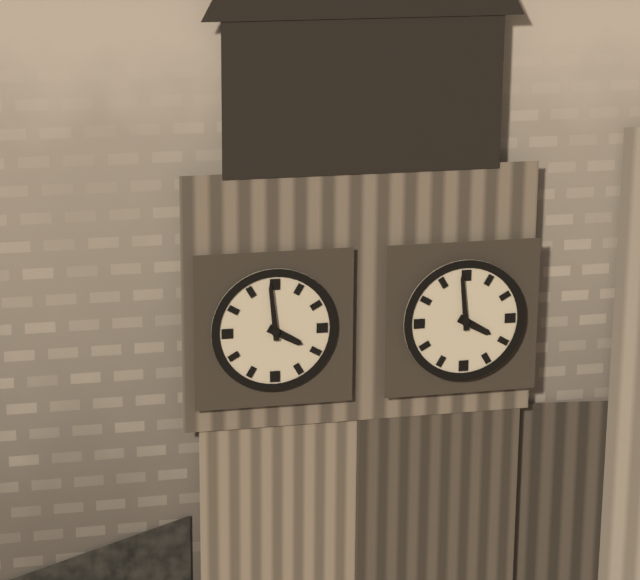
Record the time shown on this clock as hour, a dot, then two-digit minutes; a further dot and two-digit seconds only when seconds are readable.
3.59
